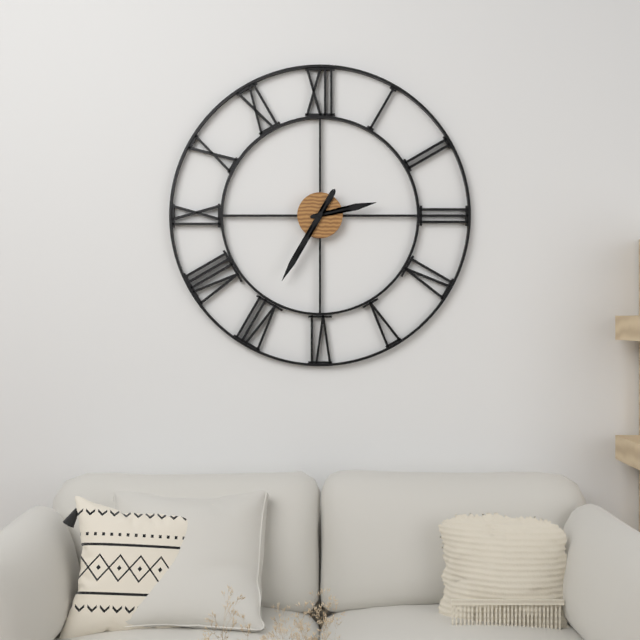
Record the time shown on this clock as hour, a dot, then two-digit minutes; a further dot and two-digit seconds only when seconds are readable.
2.35
